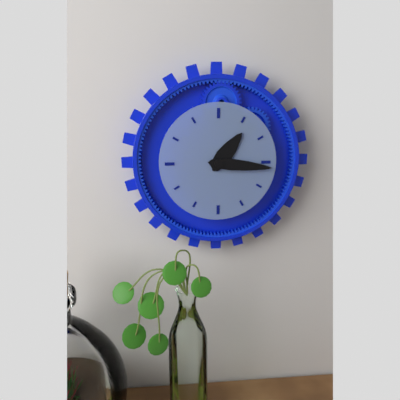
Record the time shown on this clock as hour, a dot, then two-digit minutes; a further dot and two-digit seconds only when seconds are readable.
1.16
